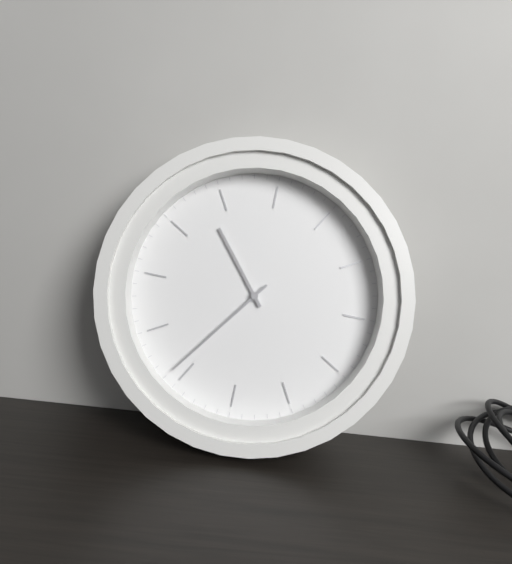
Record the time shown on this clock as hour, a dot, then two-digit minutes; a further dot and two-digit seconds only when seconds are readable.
11.41
